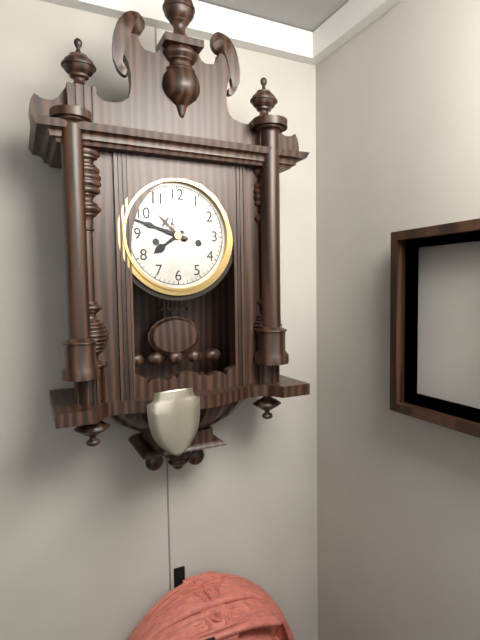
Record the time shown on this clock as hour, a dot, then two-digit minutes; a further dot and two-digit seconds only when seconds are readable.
7.48
